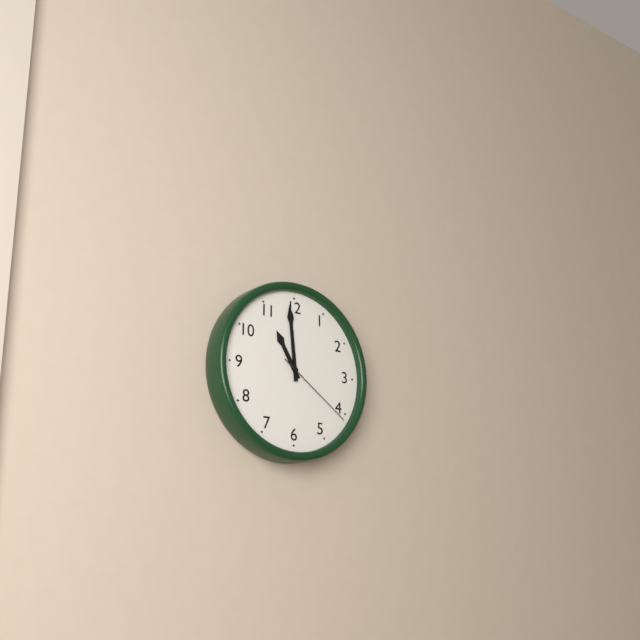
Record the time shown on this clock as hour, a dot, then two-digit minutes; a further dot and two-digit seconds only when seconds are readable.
10.59.21
